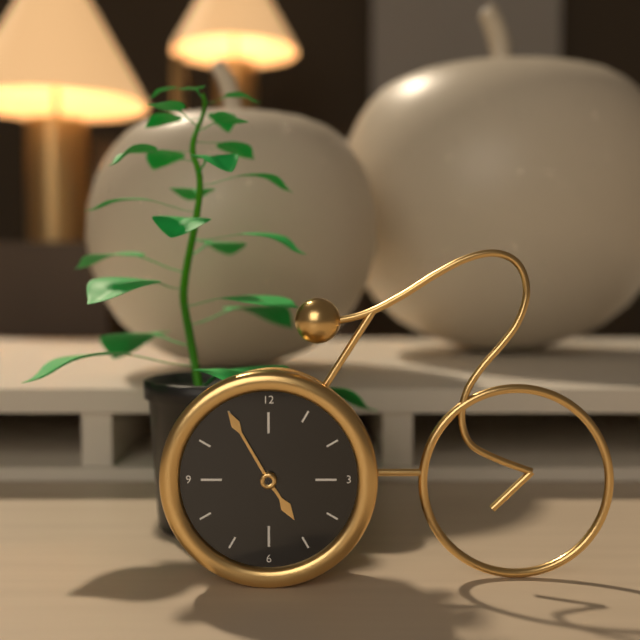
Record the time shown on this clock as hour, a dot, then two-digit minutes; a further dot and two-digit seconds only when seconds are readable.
4.55
